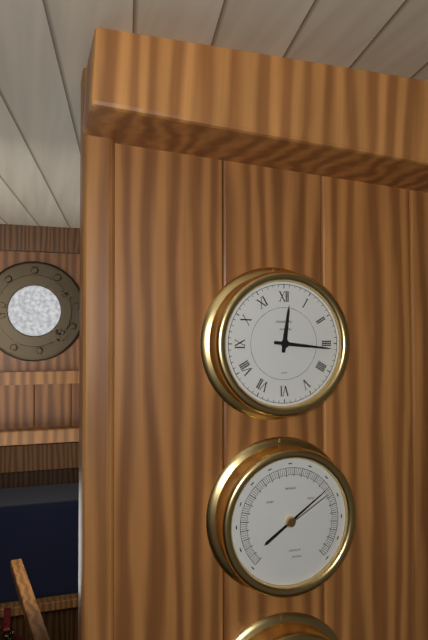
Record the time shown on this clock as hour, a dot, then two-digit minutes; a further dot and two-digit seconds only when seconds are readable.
12.16
